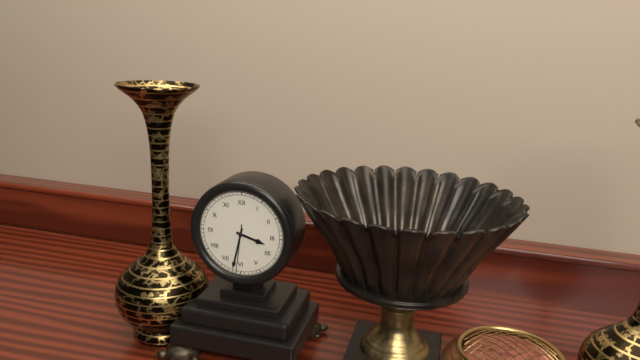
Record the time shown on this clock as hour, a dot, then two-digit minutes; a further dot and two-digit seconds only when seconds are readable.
3.32
